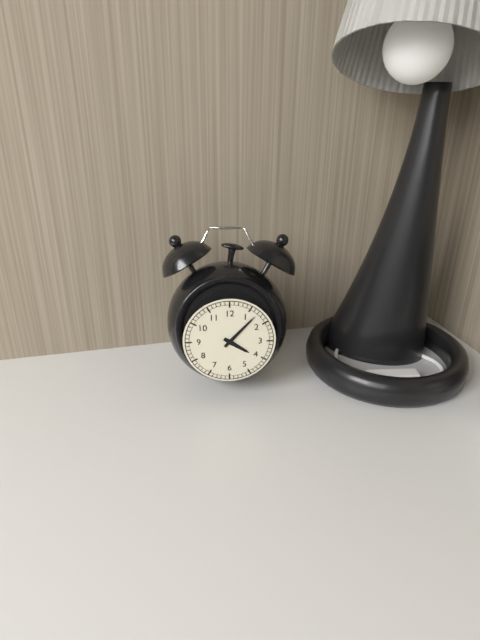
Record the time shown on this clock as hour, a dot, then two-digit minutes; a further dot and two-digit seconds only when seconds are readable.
4.07
